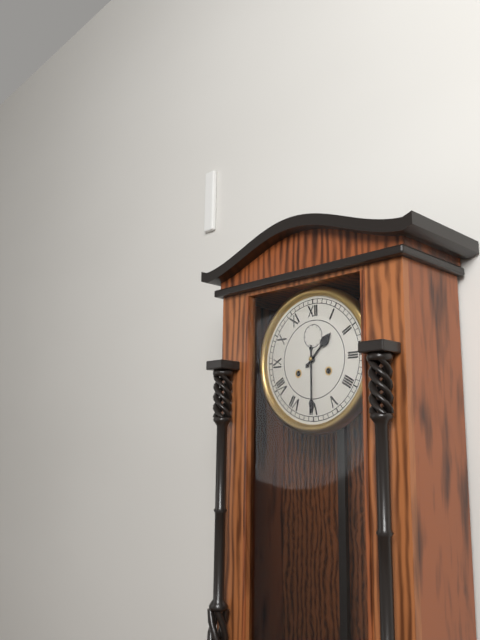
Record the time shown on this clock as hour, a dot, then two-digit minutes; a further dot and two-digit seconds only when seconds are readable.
1.30
